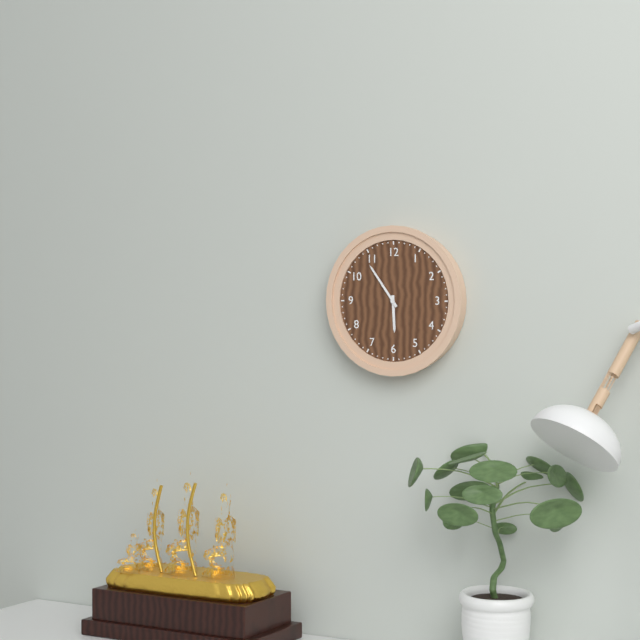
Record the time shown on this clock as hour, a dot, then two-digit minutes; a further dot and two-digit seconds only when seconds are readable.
5.54
